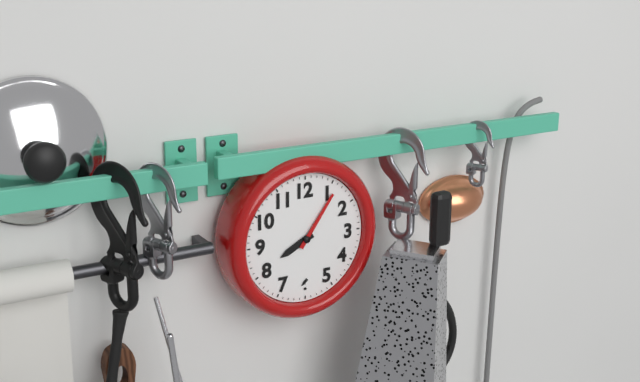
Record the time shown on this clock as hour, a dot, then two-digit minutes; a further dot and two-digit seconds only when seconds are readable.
8.06
